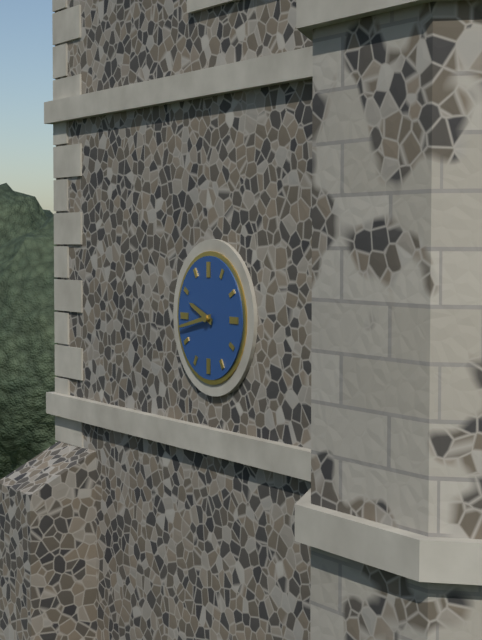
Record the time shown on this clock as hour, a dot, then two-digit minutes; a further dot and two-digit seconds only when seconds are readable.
9.43
